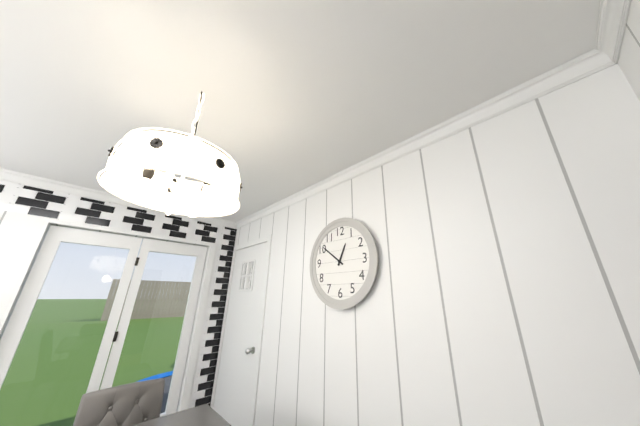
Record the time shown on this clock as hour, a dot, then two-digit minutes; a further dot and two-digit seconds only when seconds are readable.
12.51
